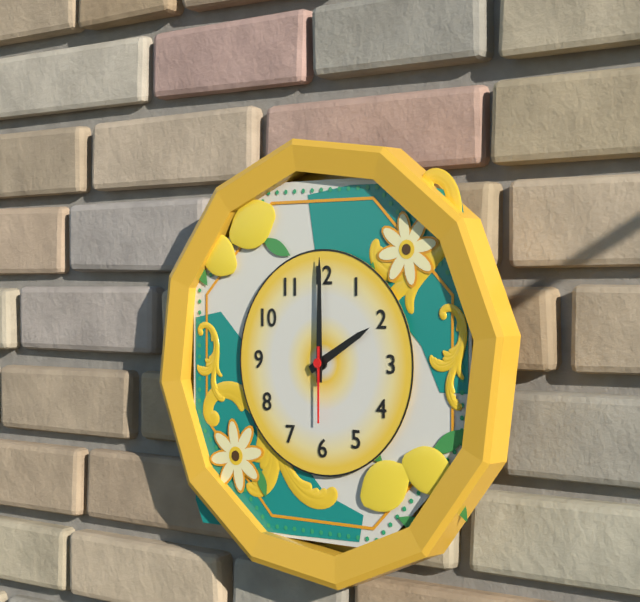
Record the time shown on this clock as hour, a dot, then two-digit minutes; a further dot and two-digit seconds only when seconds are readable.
2.00.30
